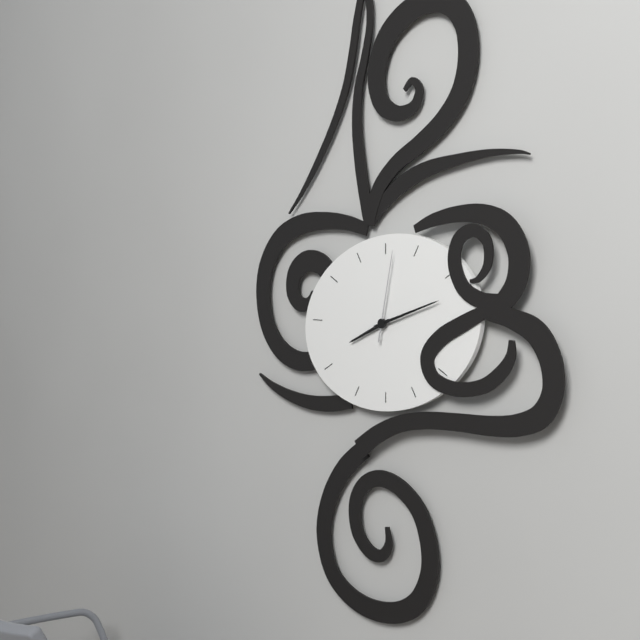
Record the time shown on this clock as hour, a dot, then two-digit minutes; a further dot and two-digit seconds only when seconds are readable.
8.12.02
